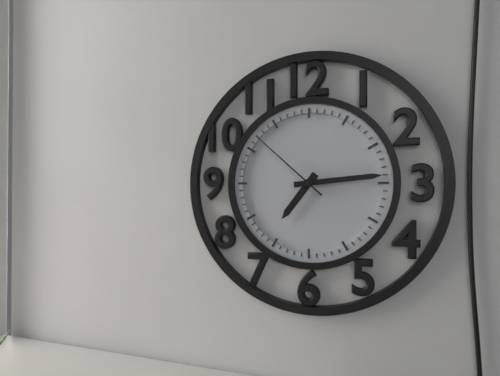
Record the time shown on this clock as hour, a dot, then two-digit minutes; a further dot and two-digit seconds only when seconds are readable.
7.14.52
